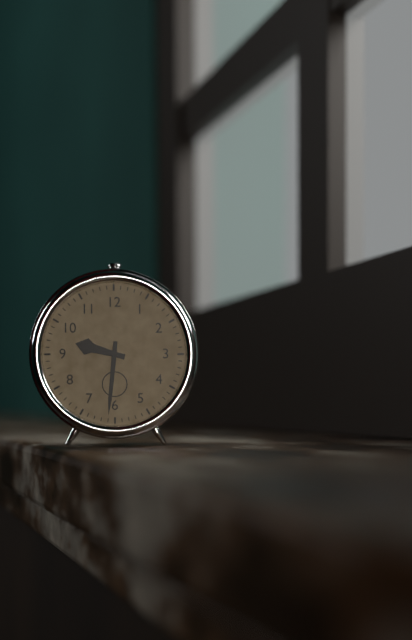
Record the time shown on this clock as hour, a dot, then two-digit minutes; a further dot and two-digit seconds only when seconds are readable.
9.31
